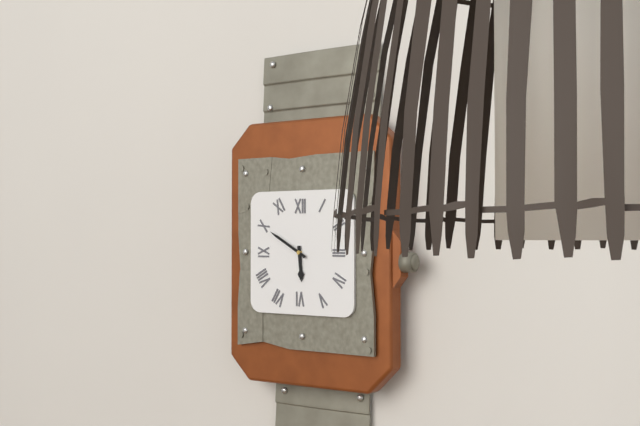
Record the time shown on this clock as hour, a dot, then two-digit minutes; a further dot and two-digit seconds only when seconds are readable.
5.50
